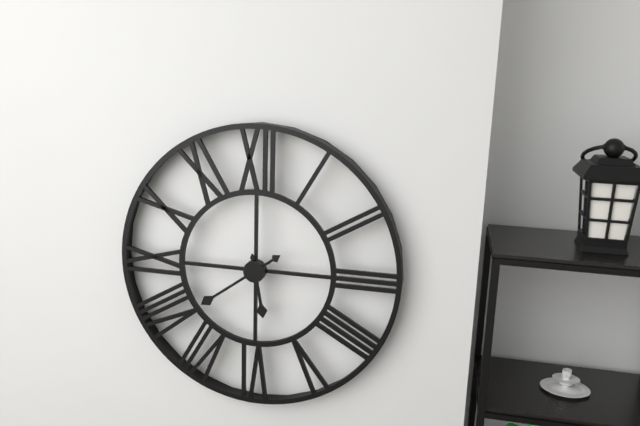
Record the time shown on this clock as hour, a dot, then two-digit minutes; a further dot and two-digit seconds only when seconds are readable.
5.39
